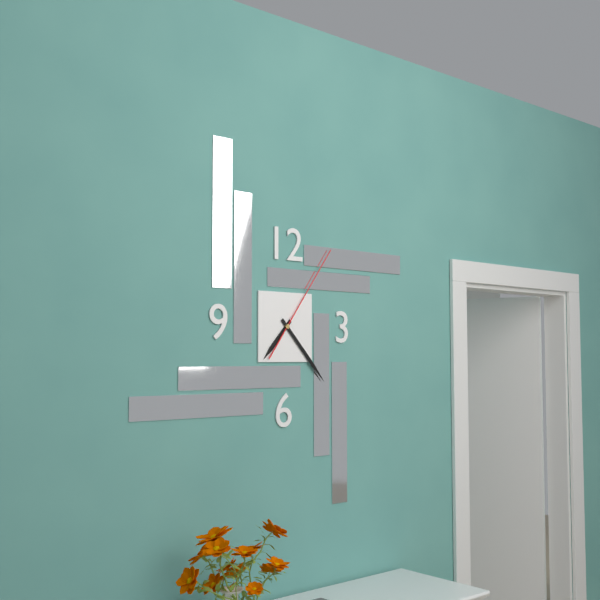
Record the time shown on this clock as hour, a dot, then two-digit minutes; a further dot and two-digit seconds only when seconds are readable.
7.23.06
